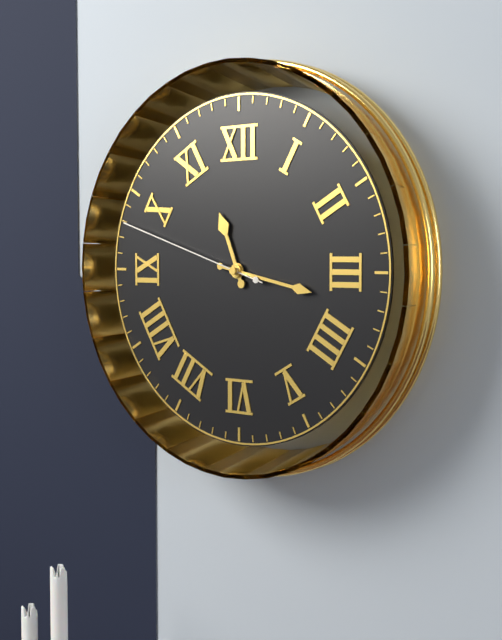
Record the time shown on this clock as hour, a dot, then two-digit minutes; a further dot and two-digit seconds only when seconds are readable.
11.17.48
